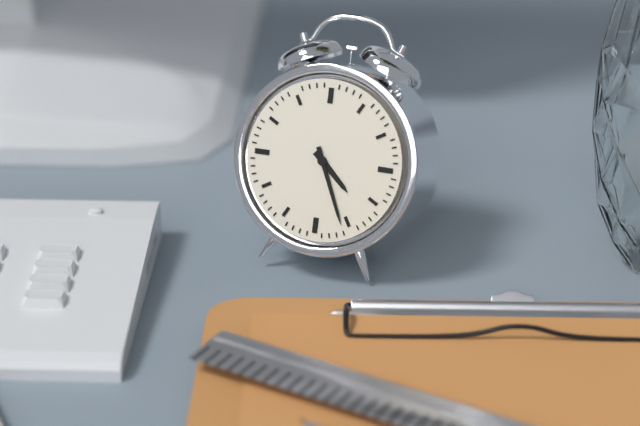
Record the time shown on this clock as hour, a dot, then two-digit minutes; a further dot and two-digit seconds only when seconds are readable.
4.26
